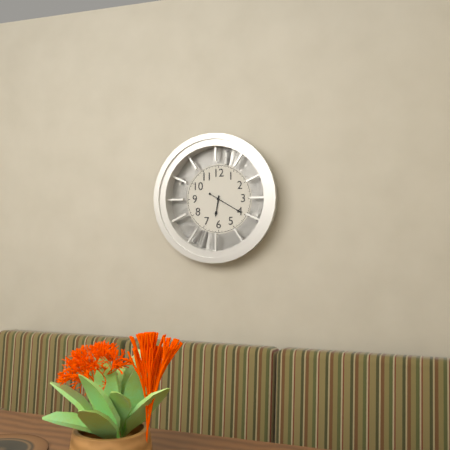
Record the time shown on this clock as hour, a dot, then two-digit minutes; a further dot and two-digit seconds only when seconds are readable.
6.20
